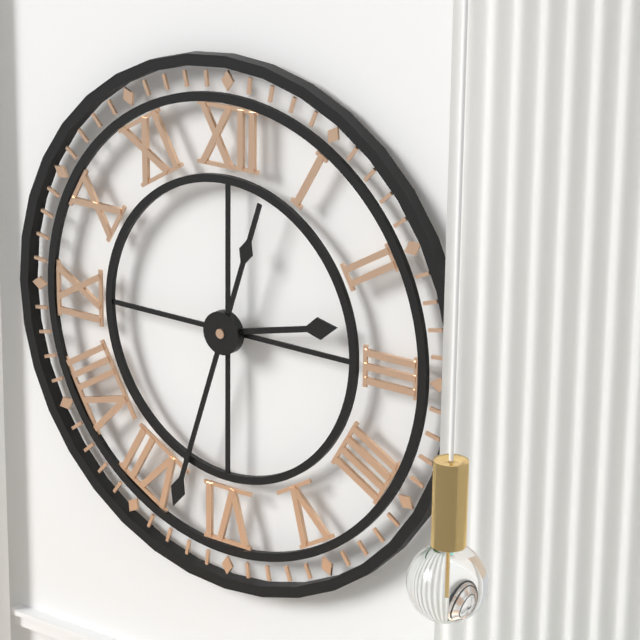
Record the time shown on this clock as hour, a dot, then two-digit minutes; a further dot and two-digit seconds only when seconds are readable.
2.33
